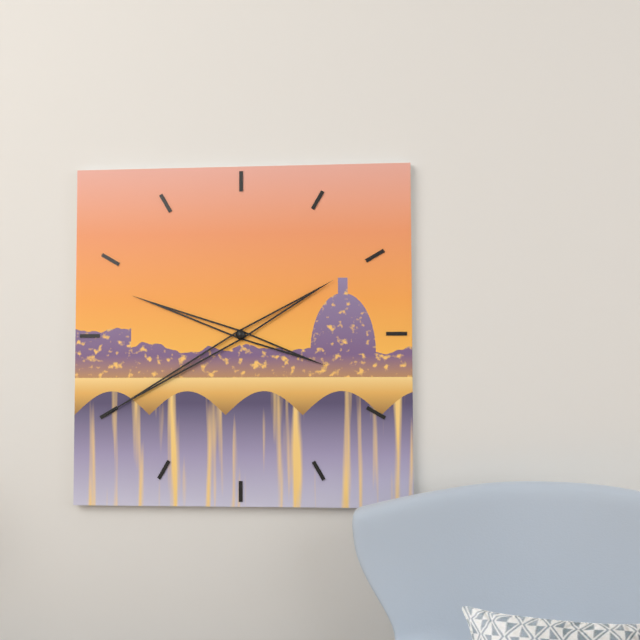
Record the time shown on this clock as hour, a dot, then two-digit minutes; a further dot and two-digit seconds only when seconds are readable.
9.40
